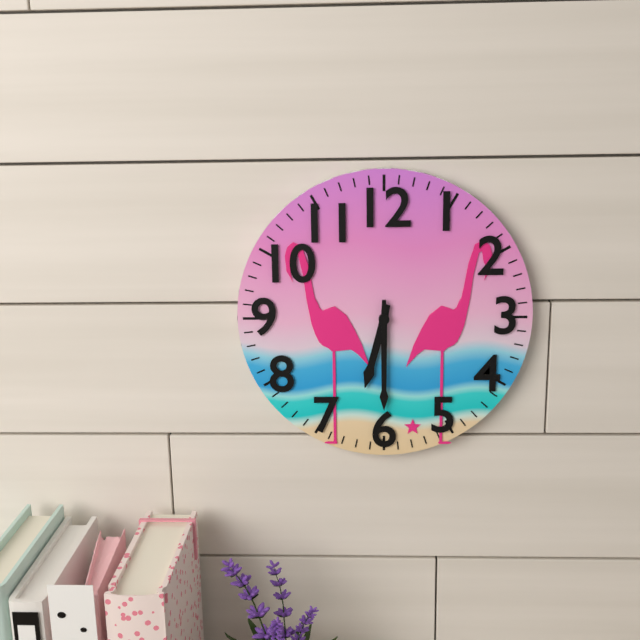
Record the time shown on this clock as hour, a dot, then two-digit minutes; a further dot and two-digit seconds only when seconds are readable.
6.30
